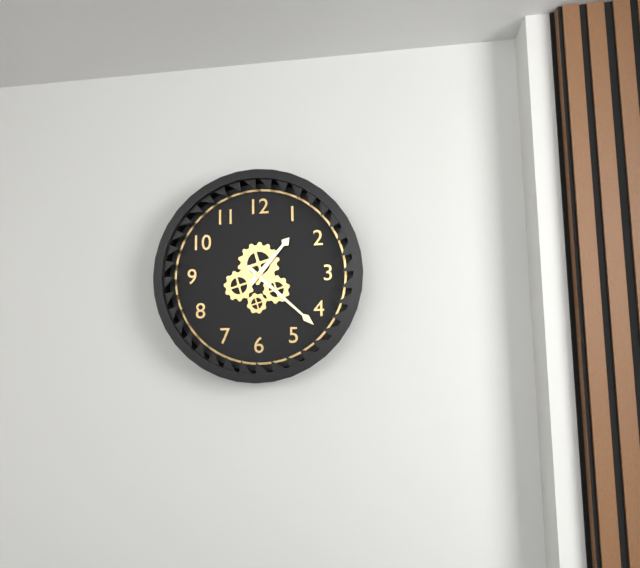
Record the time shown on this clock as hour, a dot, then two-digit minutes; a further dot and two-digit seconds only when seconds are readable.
1.22
